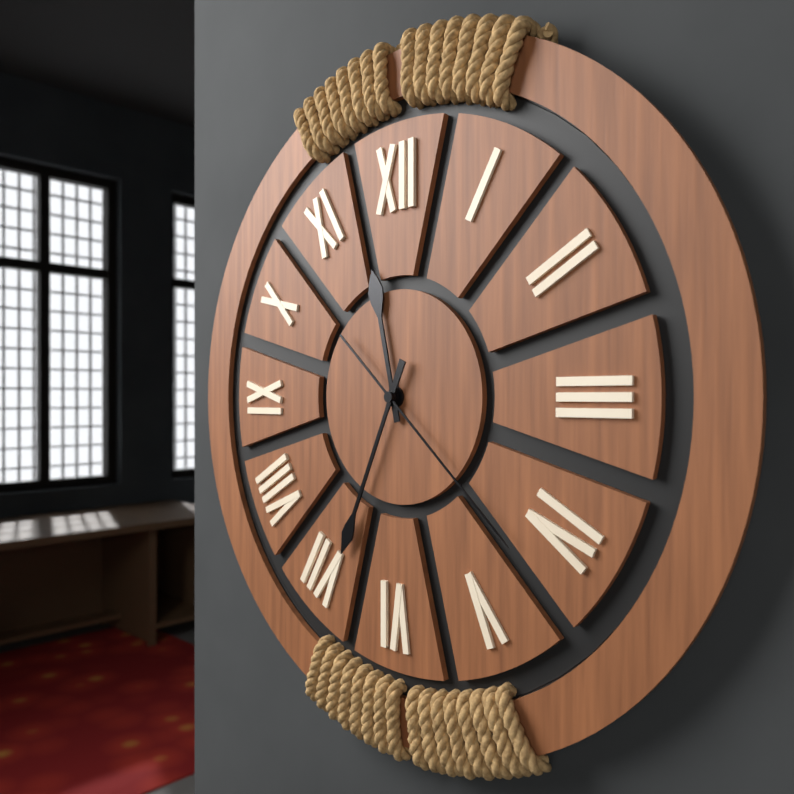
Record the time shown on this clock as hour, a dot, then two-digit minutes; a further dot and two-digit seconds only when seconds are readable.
11.34.22
